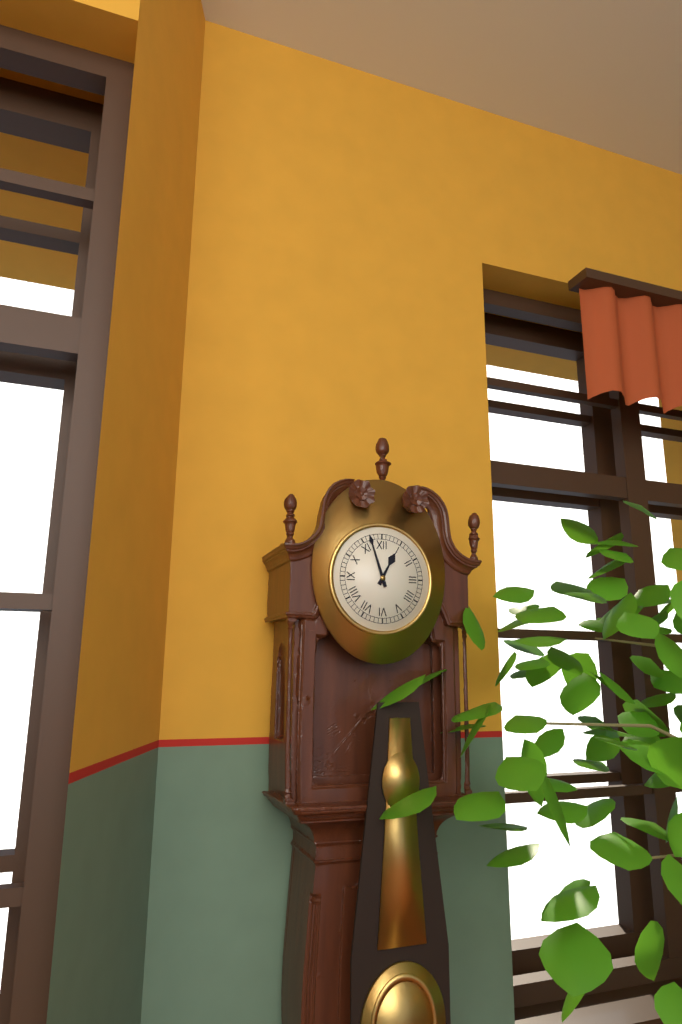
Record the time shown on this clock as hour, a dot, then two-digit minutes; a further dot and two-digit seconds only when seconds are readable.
12.57
